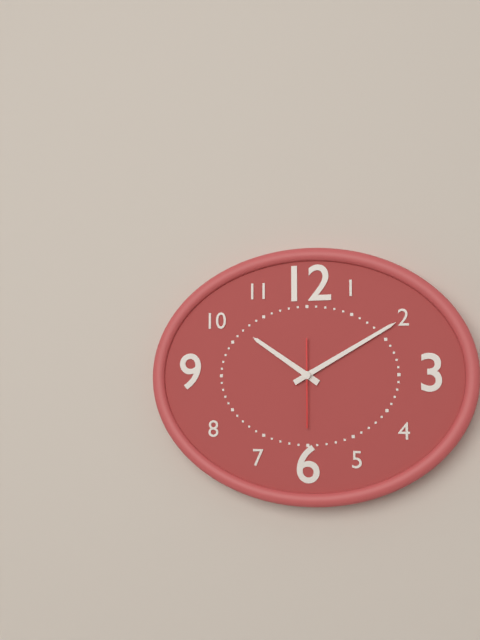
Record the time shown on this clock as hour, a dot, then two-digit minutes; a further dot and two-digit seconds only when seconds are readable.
10.10.30
